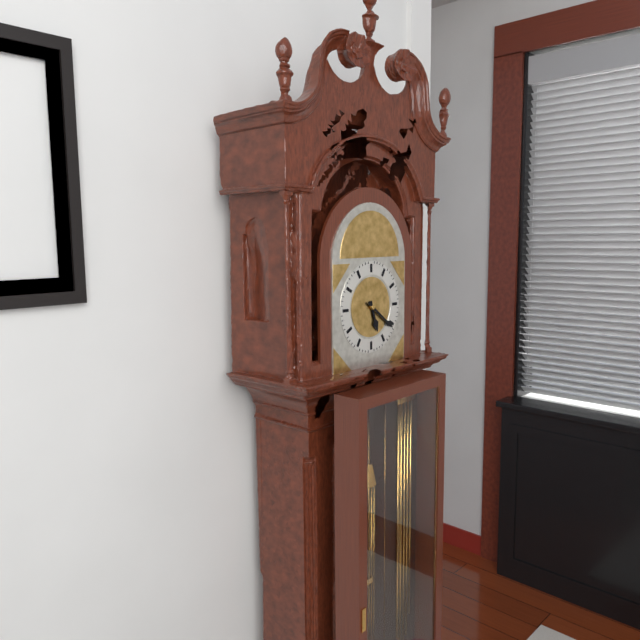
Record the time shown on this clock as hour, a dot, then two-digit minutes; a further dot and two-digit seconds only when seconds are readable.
5.21
